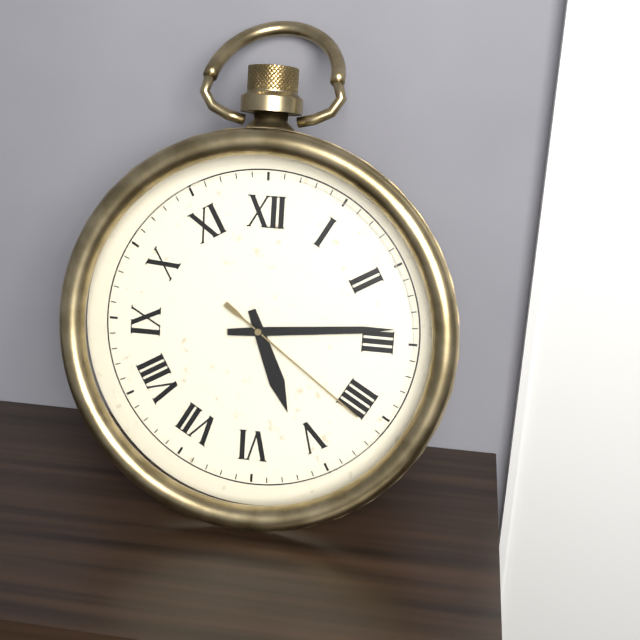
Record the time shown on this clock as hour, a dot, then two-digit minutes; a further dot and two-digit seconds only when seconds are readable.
5.14.21
